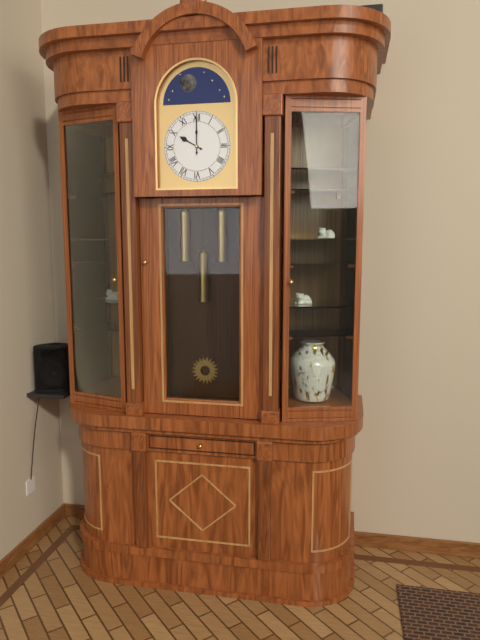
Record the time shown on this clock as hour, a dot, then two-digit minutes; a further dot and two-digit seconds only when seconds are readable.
10.00
